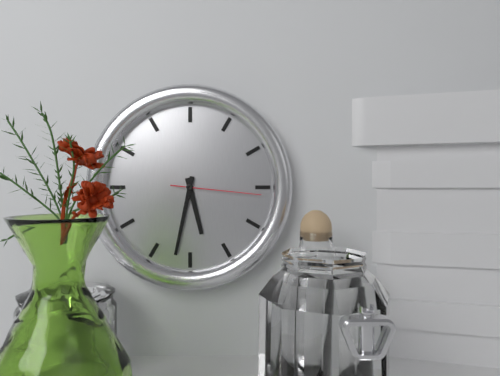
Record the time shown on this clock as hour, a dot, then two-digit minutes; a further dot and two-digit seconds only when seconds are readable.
5.32.16
